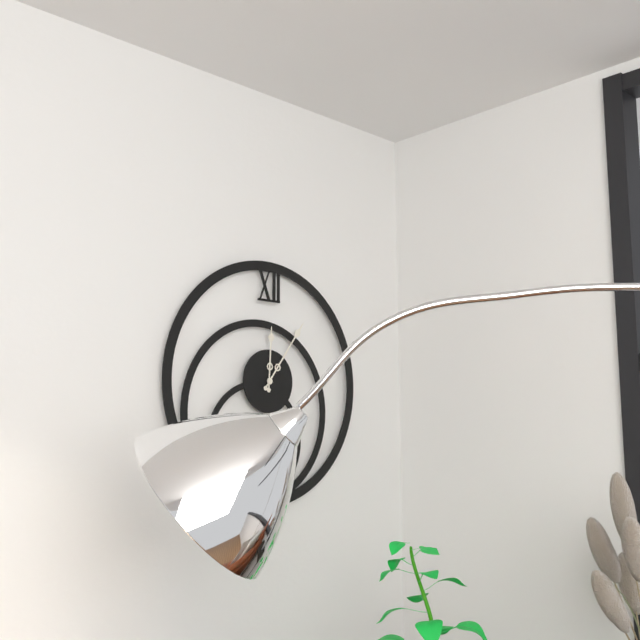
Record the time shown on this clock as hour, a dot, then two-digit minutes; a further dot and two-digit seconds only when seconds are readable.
12.06
